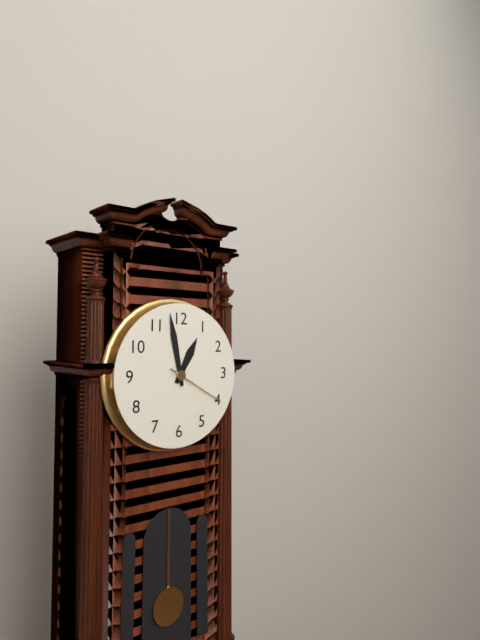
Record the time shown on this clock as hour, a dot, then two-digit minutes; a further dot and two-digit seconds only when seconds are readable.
12.58.20
